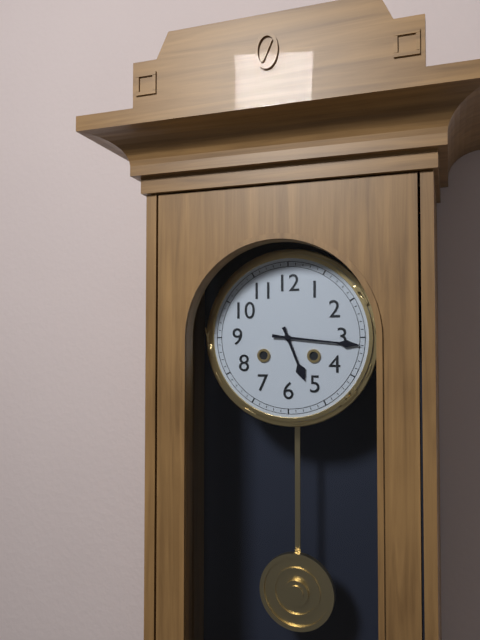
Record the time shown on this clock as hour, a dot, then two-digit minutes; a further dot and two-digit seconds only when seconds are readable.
5.16
